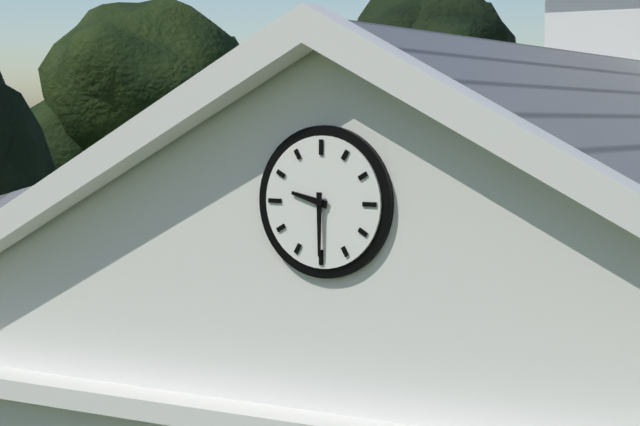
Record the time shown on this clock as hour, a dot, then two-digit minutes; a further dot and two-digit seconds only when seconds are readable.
9.30
